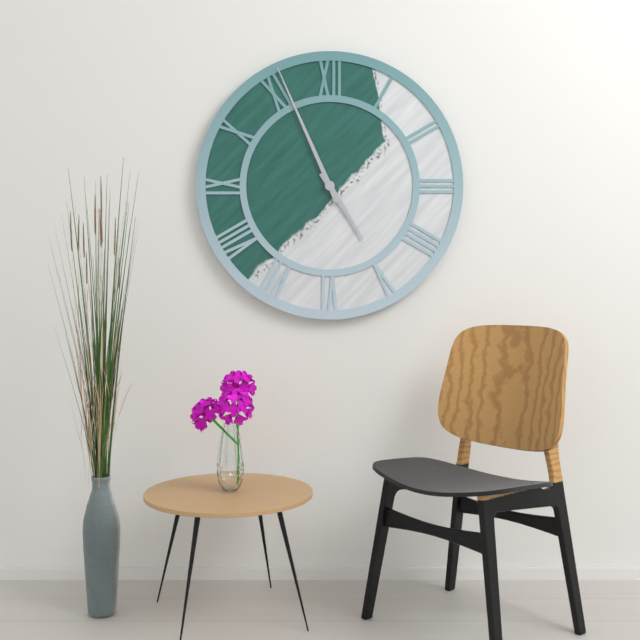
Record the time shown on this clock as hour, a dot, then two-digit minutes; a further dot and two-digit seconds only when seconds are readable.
4.56
